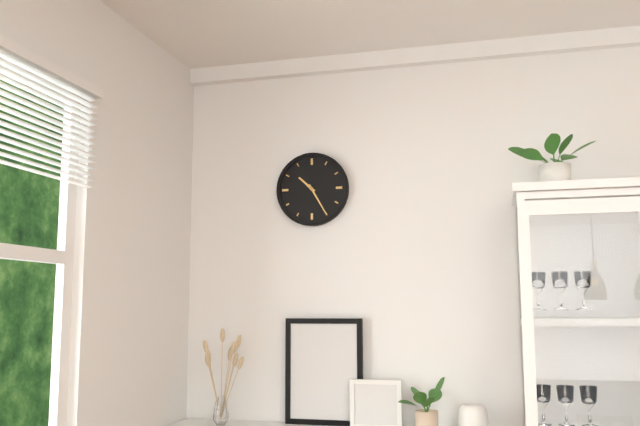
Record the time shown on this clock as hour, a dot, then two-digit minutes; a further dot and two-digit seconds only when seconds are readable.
10.25
